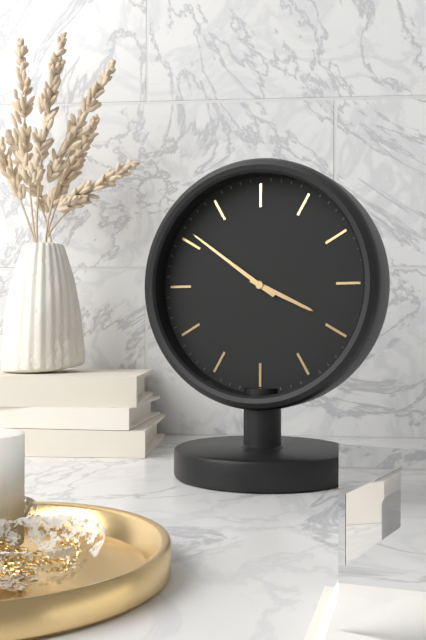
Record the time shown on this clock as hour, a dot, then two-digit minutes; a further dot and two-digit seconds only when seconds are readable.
3.51
